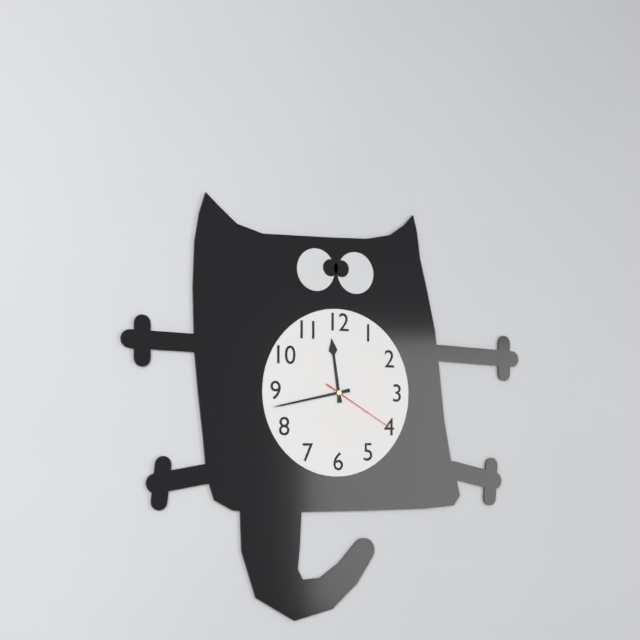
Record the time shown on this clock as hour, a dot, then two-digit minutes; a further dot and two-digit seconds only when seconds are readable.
11.43.20
